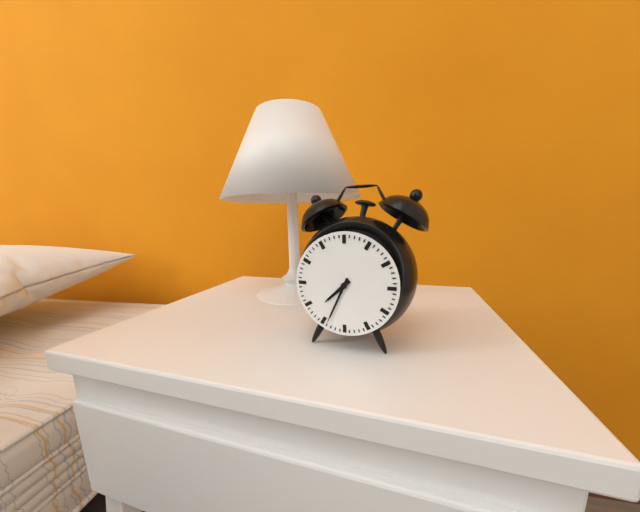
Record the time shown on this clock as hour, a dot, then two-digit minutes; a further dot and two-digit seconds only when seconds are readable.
7.34
